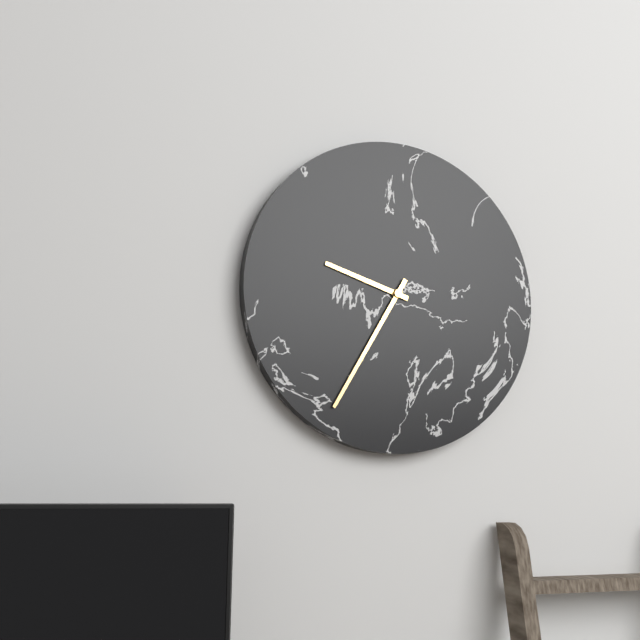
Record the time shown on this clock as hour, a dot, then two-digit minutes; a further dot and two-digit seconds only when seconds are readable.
9.35
